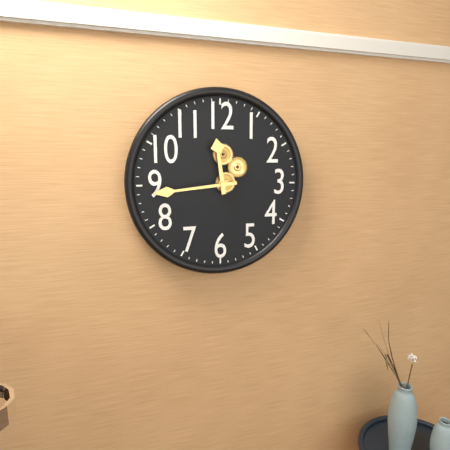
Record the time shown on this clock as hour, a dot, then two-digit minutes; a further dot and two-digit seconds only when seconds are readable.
11.44
